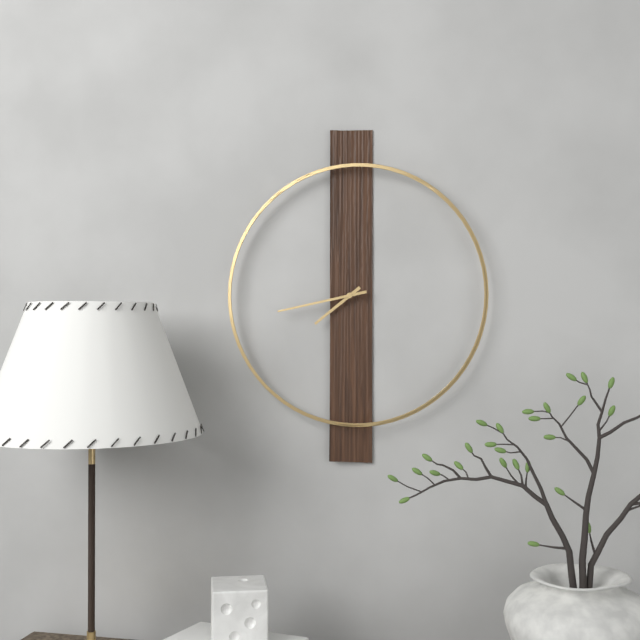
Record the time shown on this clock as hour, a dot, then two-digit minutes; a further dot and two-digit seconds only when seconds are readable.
7.43
